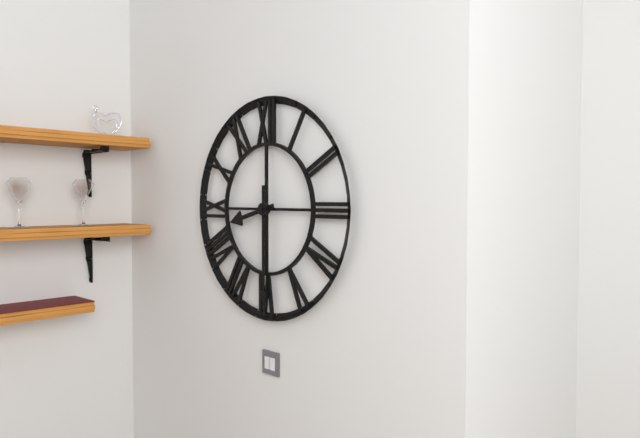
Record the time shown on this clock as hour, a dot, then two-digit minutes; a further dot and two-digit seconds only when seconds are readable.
8.30
